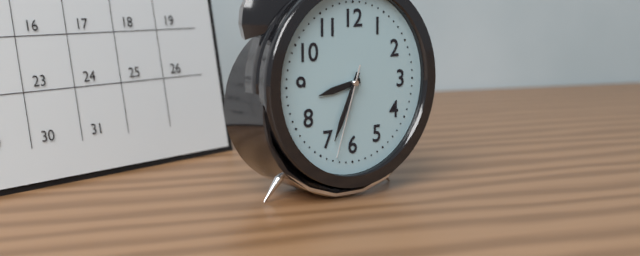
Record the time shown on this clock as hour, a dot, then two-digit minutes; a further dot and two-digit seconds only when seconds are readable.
8.34.33
